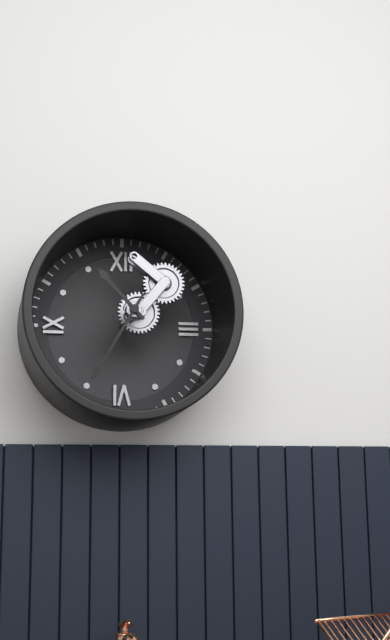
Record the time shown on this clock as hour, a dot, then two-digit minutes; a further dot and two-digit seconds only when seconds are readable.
10.35
